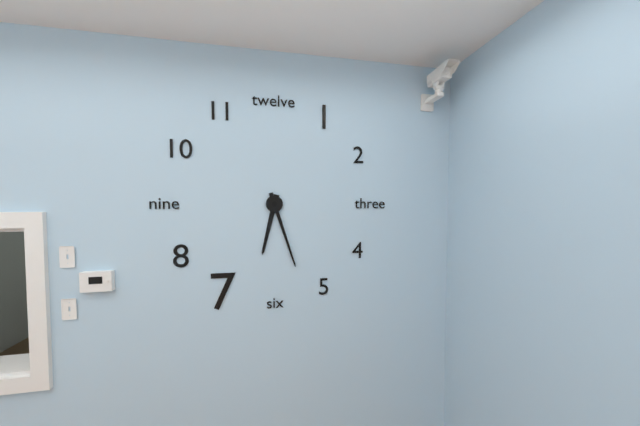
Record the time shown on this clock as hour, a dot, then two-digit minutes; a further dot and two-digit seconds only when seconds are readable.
6.27
